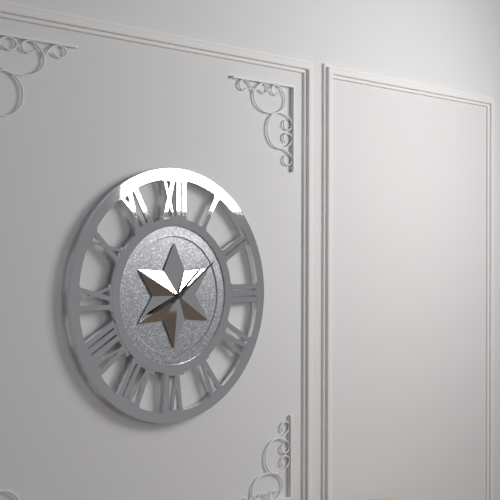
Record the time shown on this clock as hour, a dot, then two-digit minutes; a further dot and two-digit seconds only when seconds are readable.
8.09
